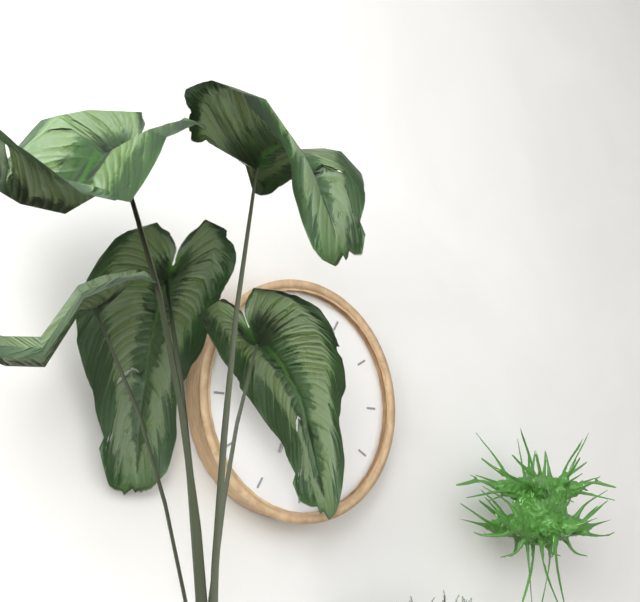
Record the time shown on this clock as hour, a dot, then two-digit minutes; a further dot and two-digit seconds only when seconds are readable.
6.51
